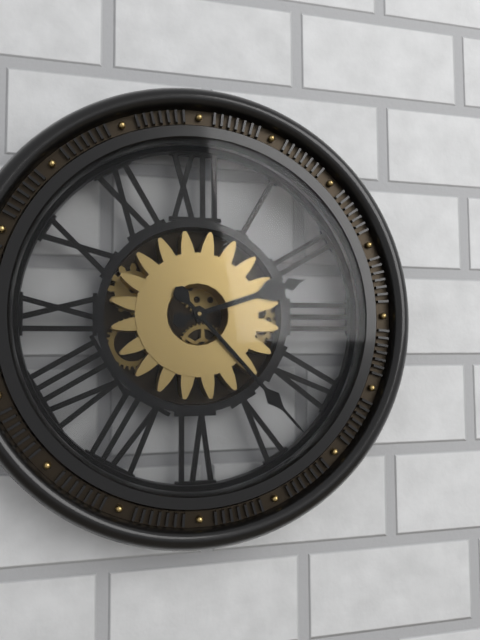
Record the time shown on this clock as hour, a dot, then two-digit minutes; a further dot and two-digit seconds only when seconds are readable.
2.23
